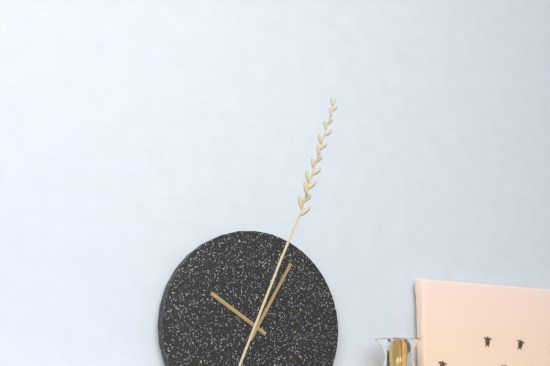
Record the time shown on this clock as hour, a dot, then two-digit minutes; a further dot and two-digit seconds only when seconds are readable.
10.05
